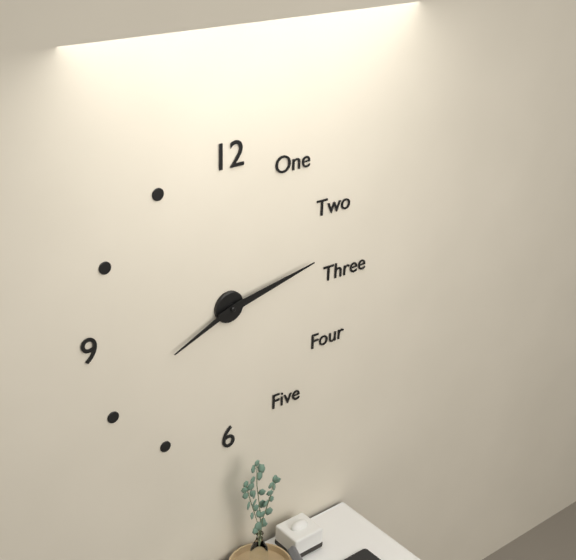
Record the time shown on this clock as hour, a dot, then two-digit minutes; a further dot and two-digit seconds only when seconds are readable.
8.13
